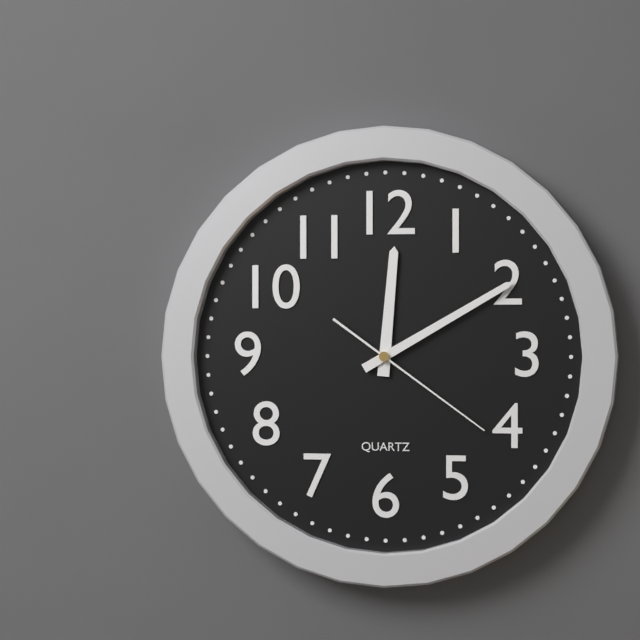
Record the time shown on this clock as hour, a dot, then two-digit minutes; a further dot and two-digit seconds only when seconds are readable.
12.10.21
